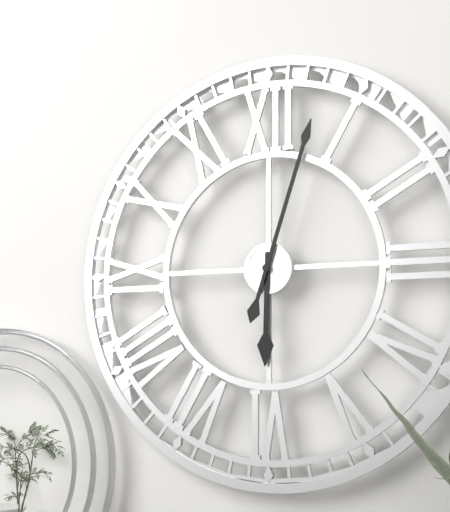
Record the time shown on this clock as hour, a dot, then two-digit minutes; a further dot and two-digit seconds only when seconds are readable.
6.03
